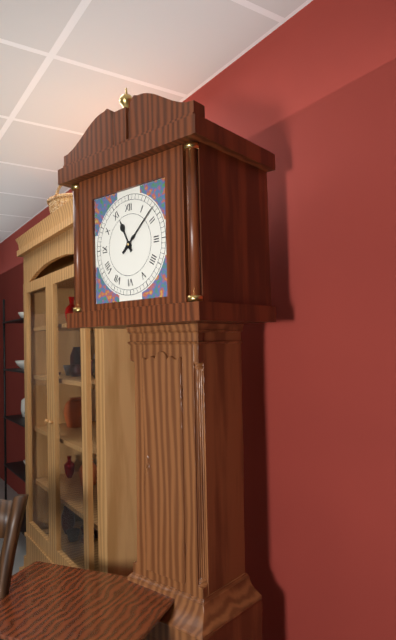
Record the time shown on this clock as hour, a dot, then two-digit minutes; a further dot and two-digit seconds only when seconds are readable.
11.08
